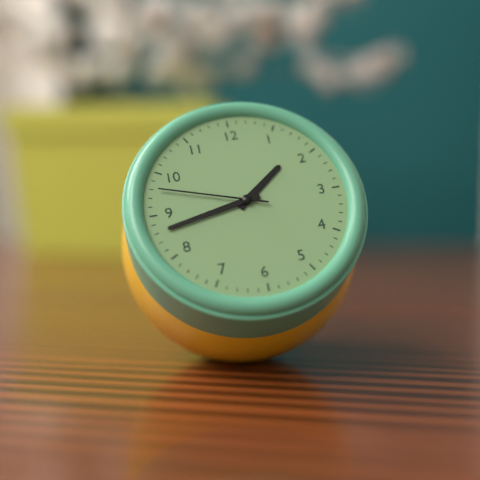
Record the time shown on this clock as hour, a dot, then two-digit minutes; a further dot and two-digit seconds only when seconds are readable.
1.43.48
